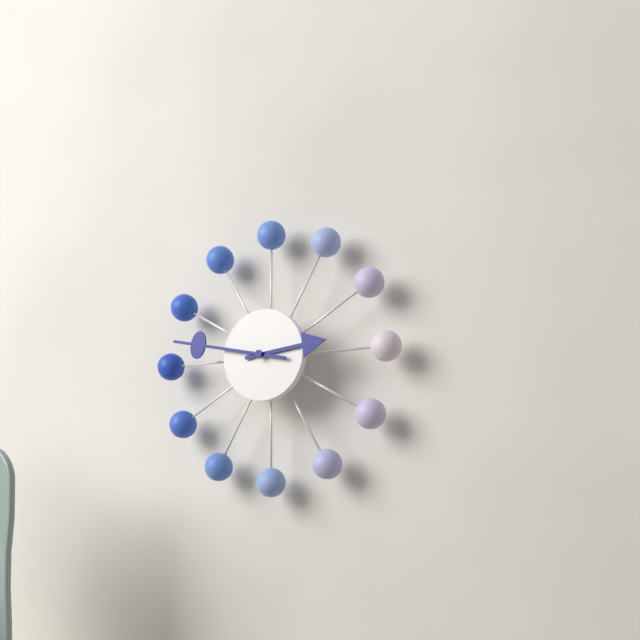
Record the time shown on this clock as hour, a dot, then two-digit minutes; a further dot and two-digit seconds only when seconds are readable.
2.47
